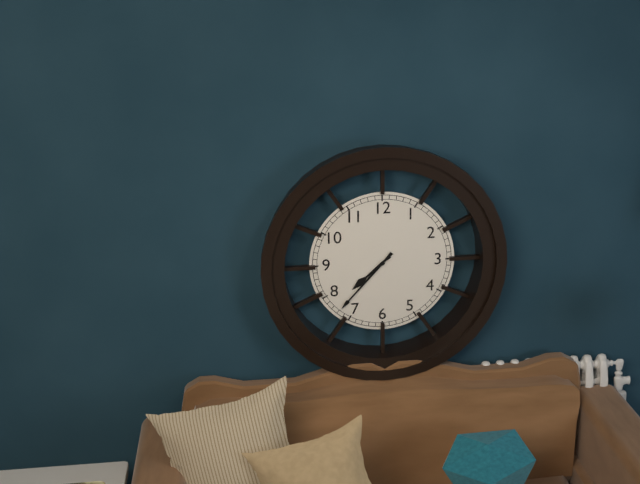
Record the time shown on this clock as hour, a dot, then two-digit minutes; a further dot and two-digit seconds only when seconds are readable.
7.37
